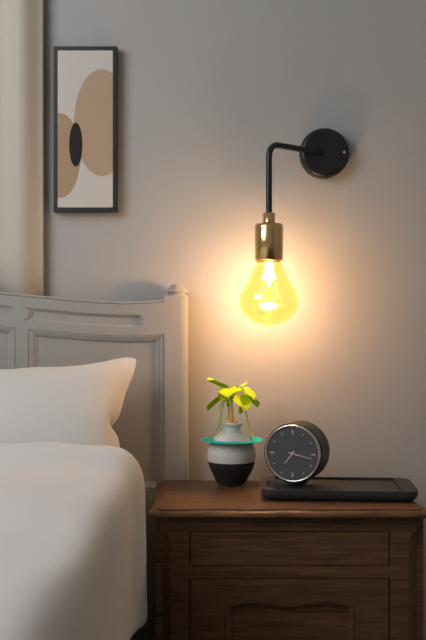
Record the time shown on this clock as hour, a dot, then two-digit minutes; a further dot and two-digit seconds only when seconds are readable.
7.17
